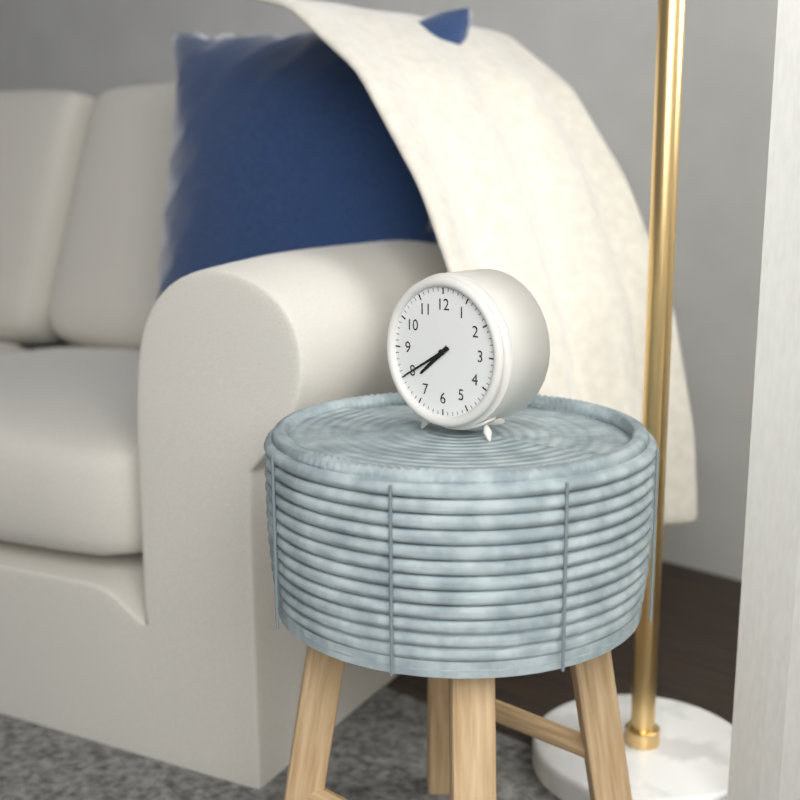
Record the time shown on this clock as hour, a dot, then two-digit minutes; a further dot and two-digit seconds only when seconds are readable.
7.40
